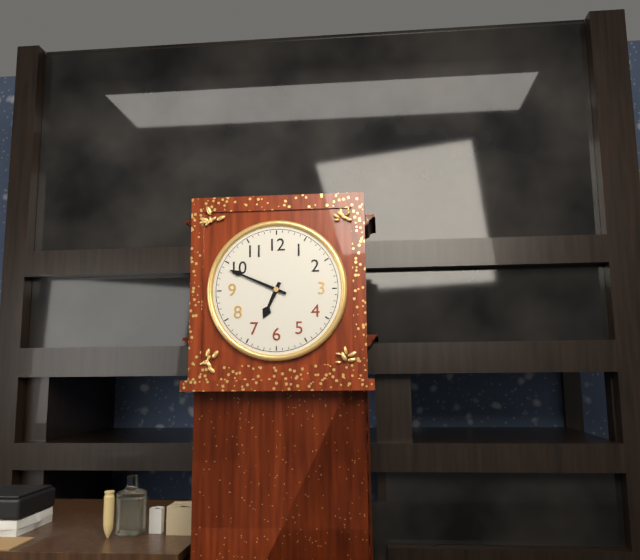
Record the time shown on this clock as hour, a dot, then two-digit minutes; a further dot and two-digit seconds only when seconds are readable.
6.49
